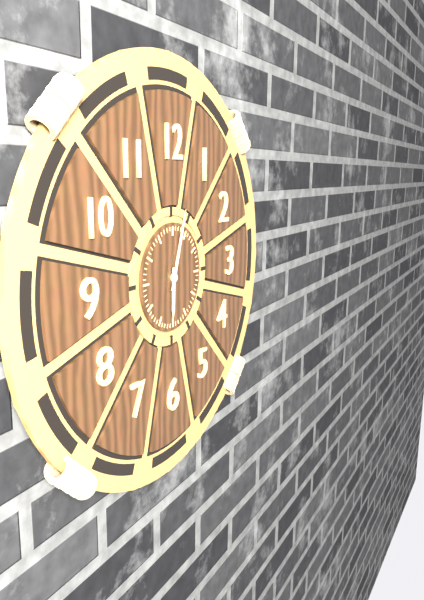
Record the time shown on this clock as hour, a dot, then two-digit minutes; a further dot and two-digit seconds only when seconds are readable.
6.03
